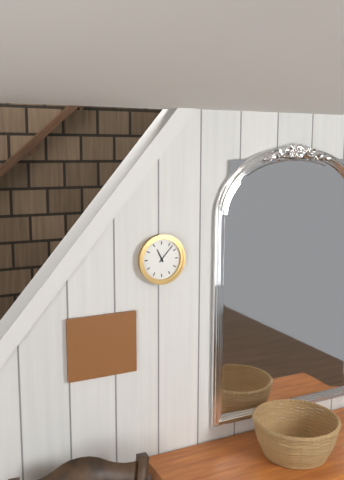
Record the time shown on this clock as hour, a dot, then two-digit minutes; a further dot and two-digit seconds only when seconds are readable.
11.07
